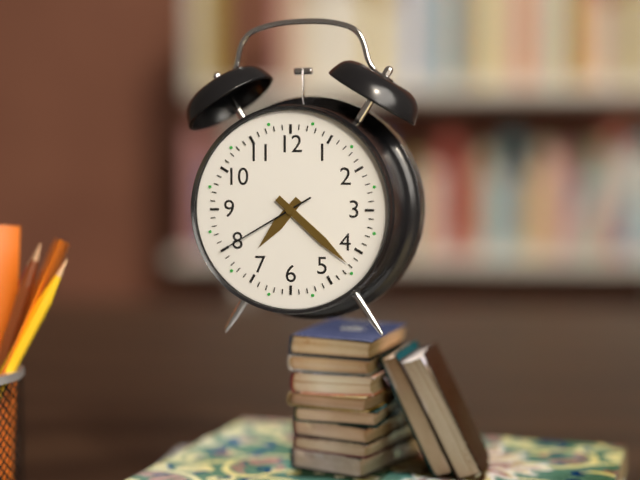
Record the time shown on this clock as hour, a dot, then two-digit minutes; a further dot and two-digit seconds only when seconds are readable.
7.22.40
